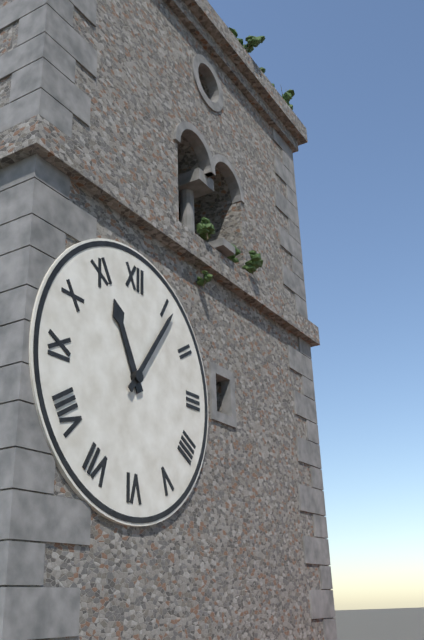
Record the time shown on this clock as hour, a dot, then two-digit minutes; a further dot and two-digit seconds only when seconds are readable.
11.06
